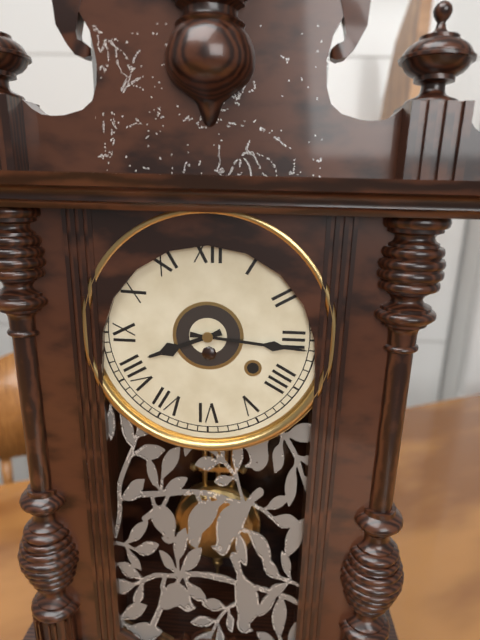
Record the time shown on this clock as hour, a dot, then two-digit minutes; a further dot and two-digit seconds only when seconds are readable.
8.16
